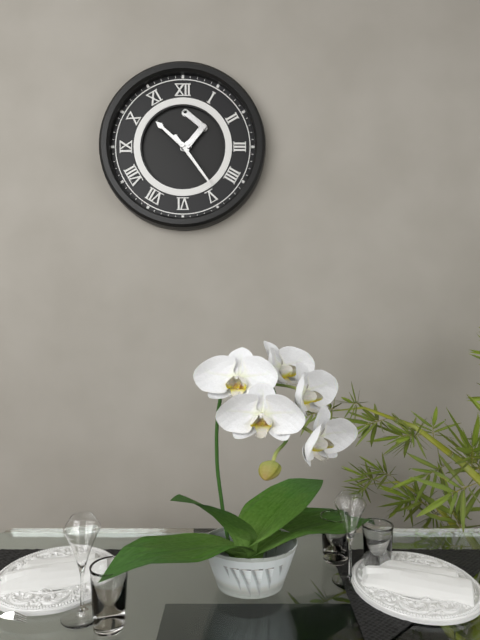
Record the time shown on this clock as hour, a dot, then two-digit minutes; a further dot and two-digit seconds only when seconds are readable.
10.24
